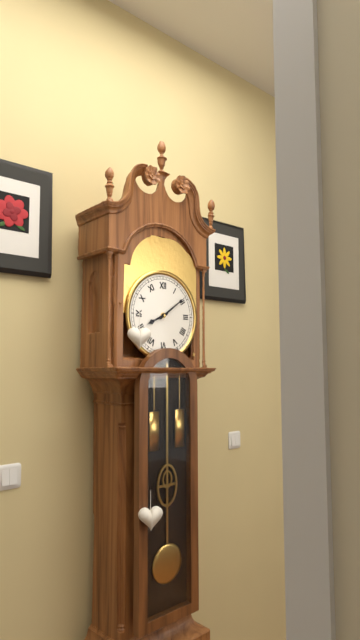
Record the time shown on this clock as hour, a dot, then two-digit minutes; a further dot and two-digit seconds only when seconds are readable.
8.09
